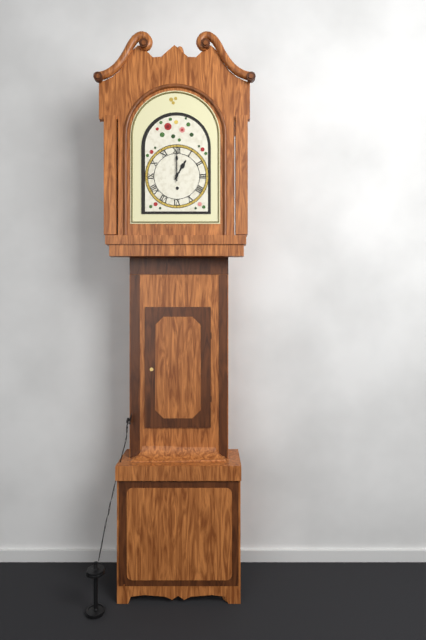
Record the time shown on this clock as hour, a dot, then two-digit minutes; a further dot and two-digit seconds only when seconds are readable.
1.00
